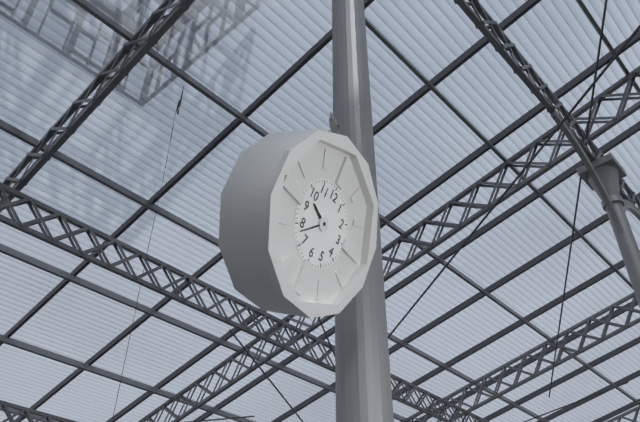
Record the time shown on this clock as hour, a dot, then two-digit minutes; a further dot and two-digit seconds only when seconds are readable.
9.38
